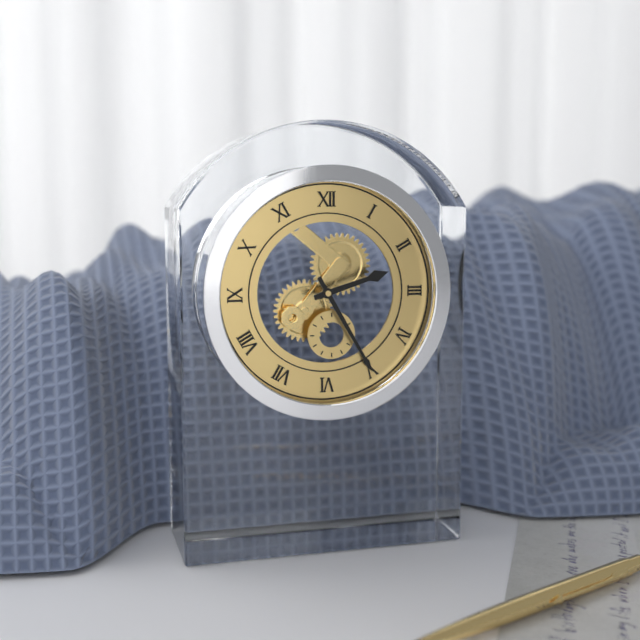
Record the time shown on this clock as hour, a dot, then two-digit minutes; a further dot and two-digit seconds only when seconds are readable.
2.25
